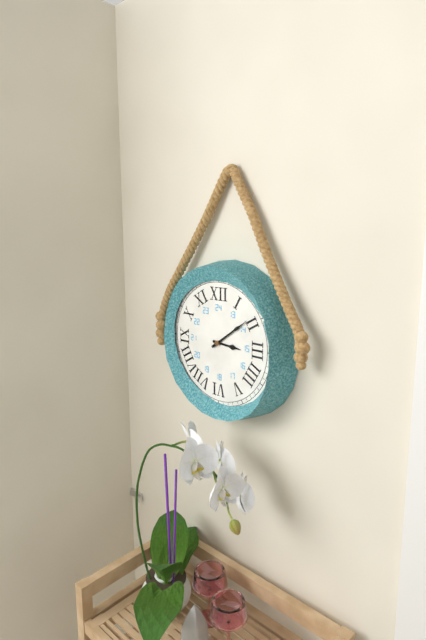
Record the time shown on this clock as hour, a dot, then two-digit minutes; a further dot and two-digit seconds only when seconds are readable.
3.09
